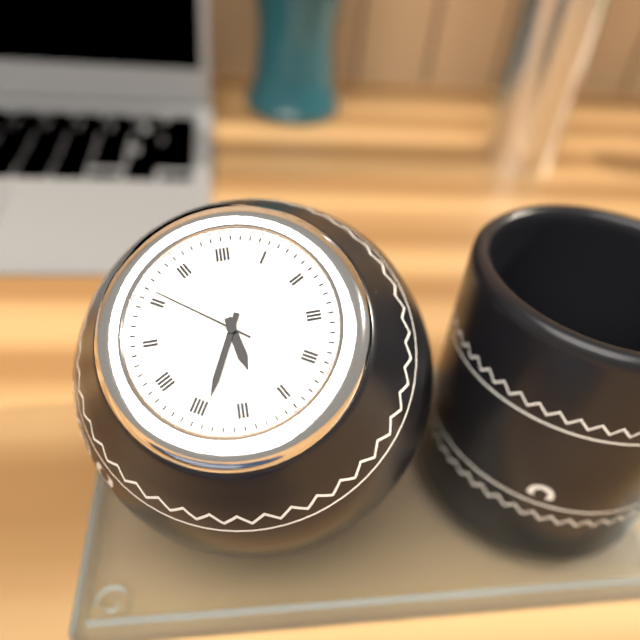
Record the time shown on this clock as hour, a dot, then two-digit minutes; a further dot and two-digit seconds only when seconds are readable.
5.34.51
